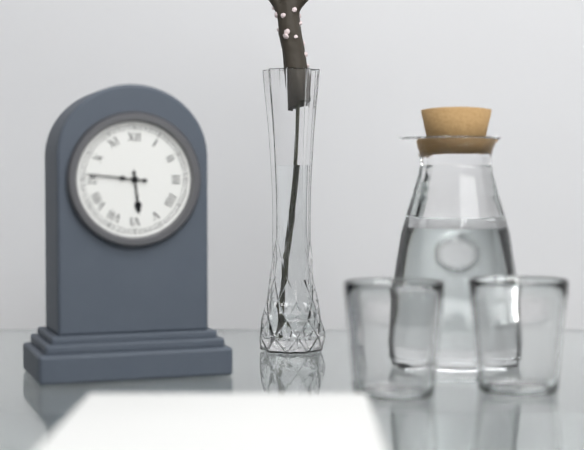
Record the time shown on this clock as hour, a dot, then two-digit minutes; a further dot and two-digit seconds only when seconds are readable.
5.46
